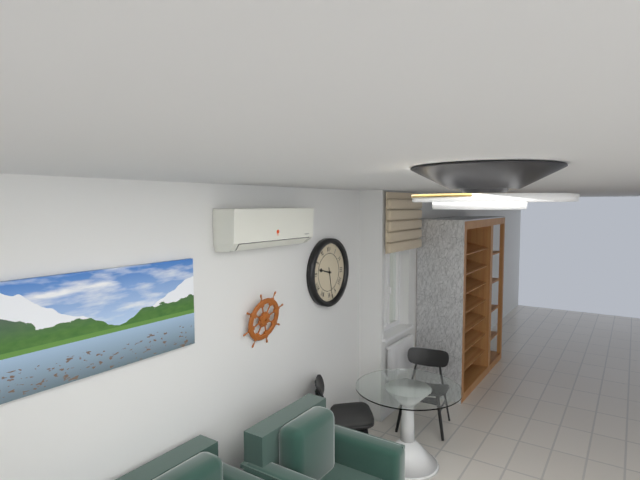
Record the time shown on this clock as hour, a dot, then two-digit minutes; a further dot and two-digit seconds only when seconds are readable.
9.28
